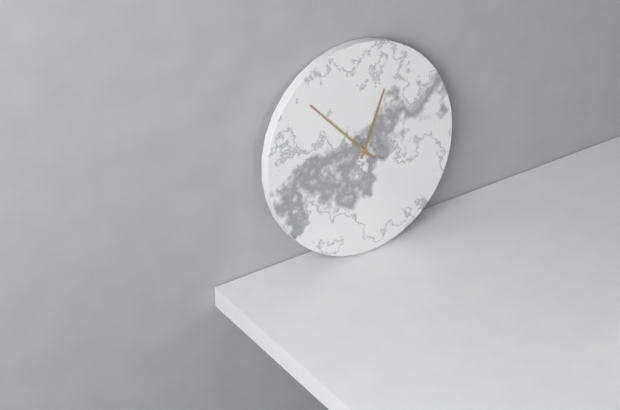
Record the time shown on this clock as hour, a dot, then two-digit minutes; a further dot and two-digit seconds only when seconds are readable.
12.53
